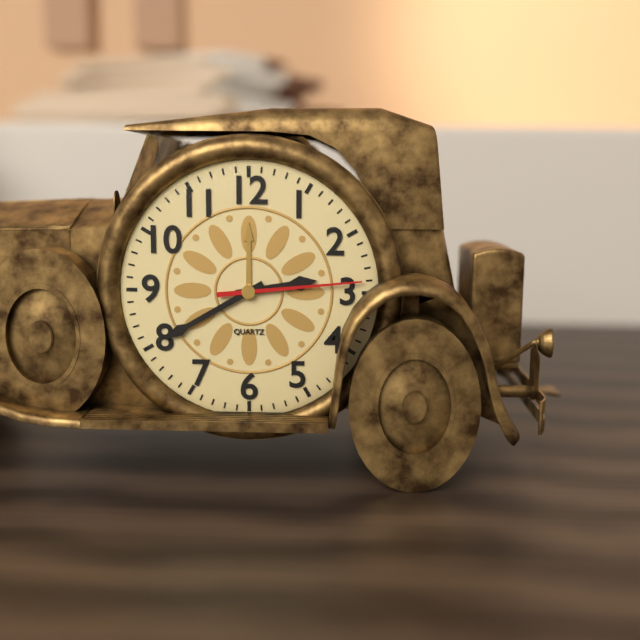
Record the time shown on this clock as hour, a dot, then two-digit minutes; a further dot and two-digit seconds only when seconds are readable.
2.40.14
